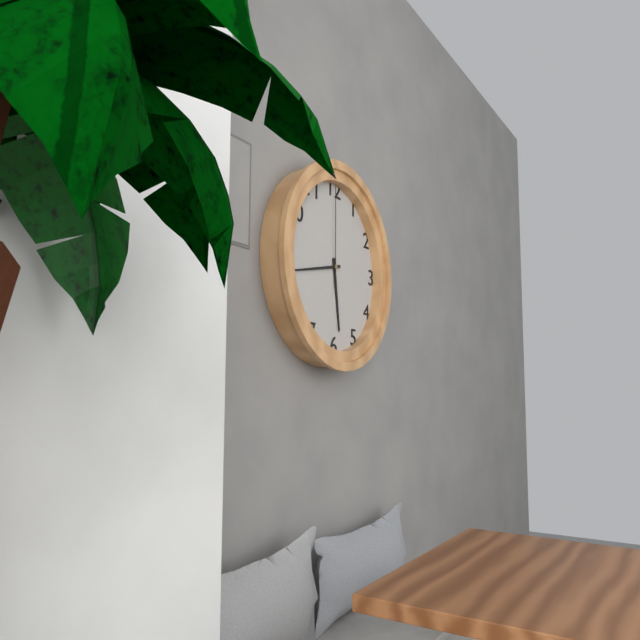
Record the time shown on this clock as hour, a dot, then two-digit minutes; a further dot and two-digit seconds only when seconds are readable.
5.43.00
